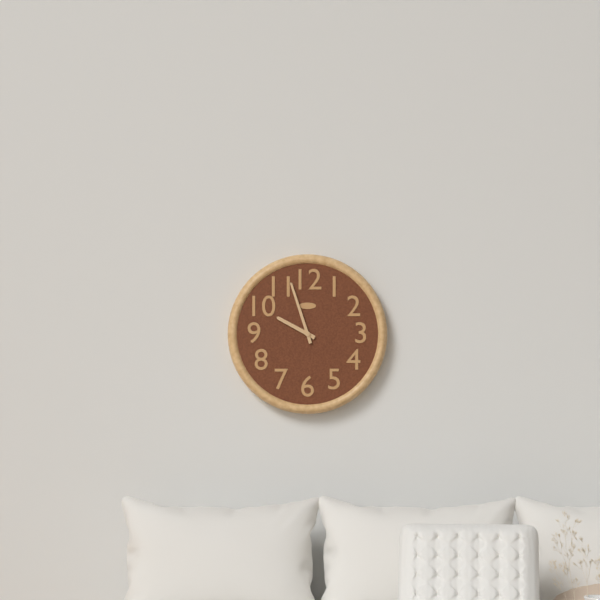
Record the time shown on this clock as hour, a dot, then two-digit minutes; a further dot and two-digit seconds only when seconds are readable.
9.57
